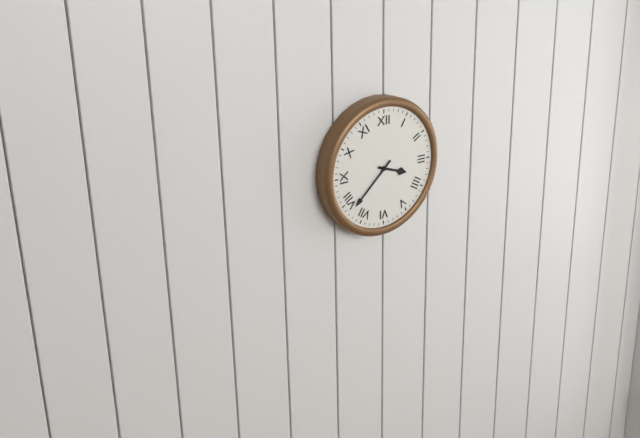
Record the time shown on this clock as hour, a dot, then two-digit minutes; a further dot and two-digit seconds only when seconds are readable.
3.38
